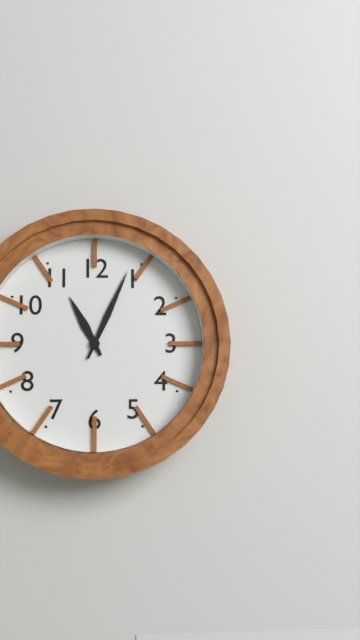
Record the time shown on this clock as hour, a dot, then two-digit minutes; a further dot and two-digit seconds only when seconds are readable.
11.04
